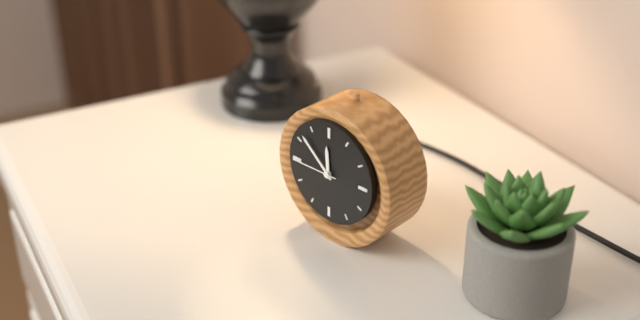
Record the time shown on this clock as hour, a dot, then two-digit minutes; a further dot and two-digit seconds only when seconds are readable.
11.52
